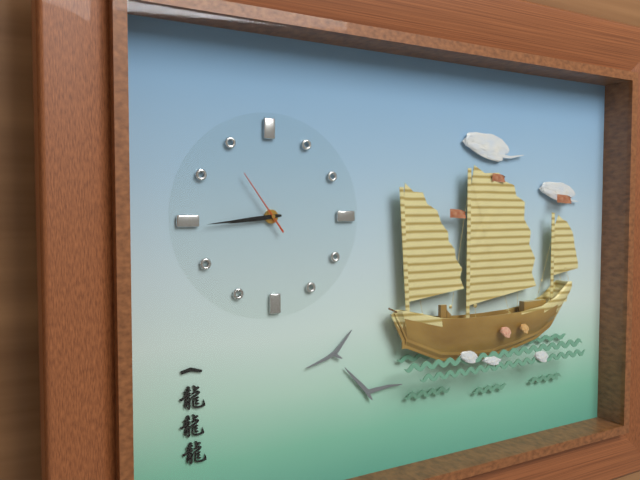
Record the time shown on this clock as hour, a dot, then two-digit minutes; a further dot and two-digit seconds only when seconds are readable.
8.44.54
